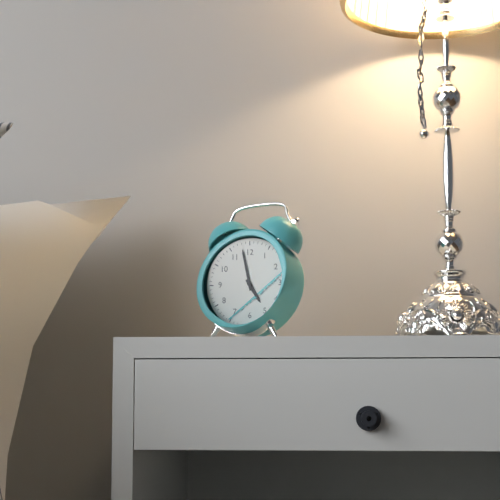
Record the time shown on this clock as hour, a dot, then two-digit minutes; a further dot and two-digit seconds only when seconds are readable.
4.58
